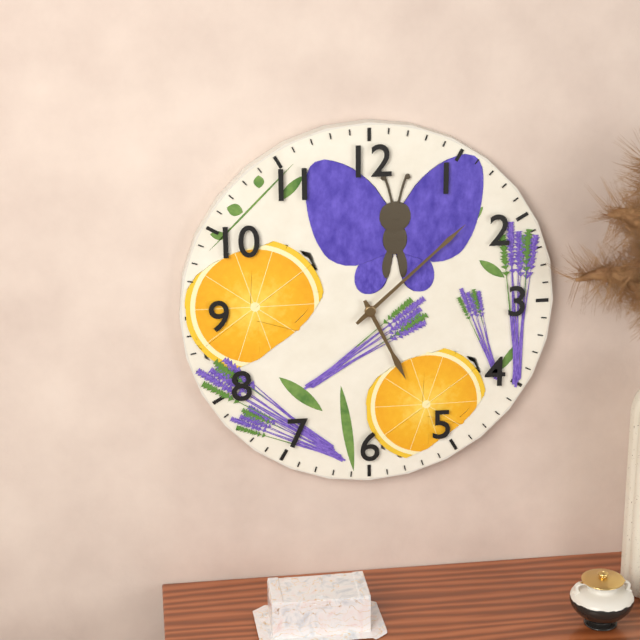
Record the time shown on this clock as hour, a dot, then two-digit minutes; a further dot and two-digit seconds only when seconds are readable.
5.08
